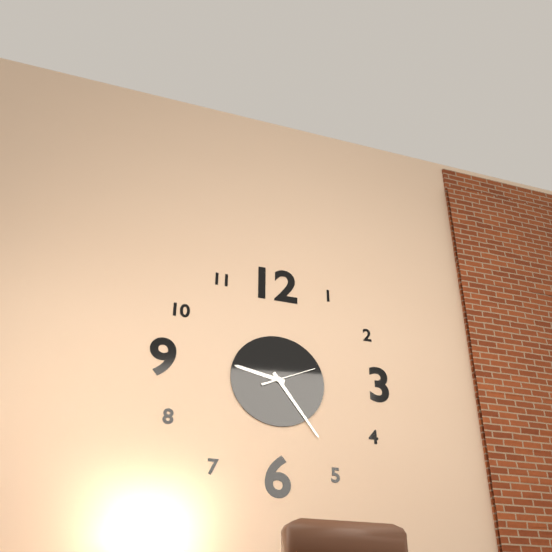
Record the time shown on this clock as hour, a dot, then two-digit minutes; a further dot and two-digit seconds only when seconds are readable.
9.24
